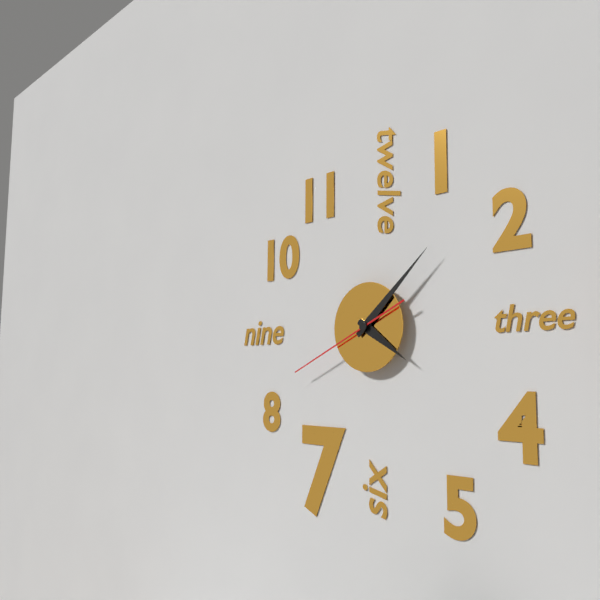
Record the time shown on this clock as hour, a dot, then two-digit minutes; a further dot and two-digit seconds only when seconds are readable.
4.08.41
